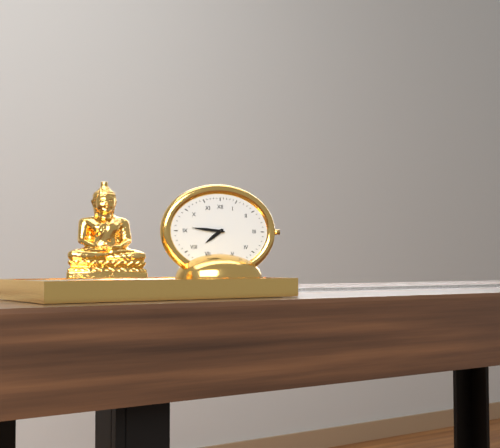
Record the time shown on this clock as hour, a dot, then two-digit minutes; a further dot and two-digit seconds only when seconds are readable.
7.46
